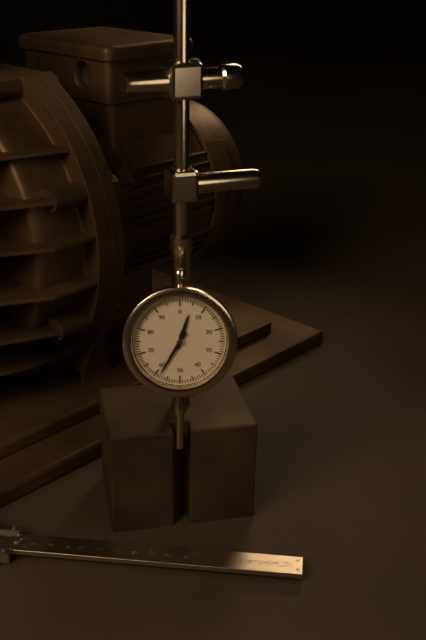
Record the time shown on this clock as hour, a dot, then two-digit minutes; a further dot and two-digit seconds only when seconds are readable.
12.35
